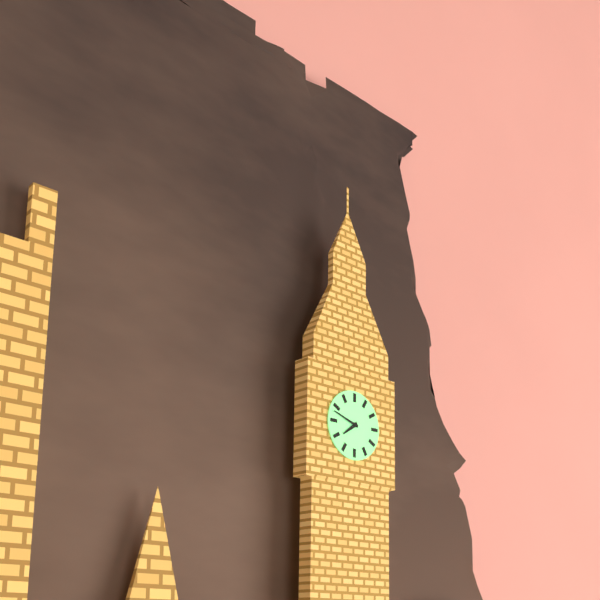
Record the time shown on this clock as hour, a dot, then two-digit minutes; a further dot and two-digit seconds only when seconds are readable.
7.48
